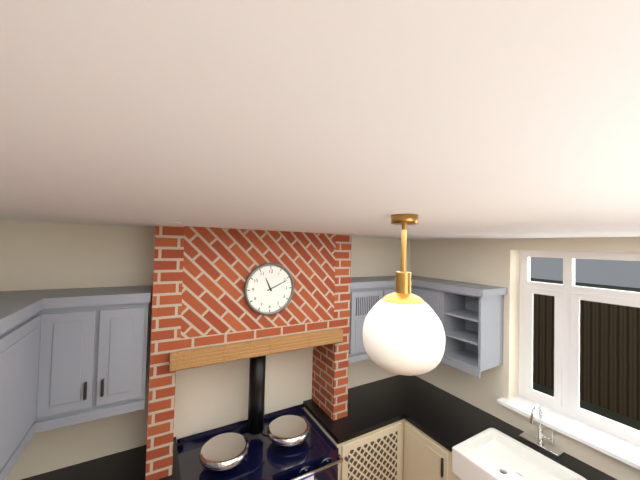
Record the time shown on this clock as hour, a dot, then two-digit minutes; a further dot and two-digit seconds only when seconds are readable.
11.11
